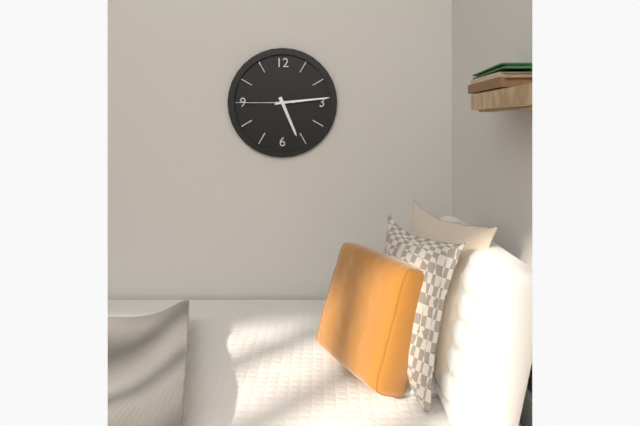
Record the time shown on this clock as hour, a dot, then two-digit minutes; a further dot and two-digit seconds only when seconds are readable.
5.14.45
